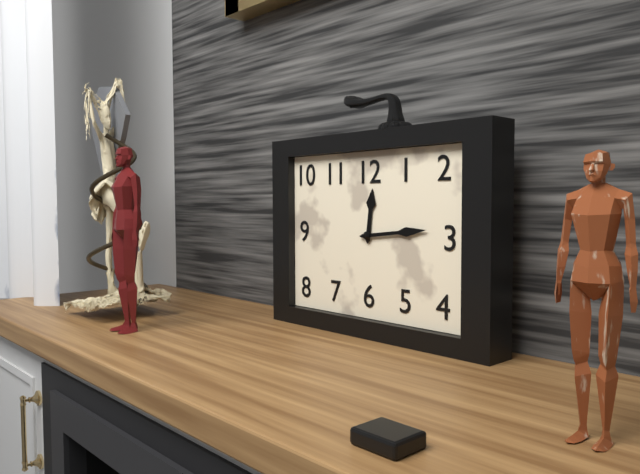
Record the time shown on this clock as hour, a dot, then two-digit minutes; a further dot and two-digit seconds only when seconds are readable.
12.14
